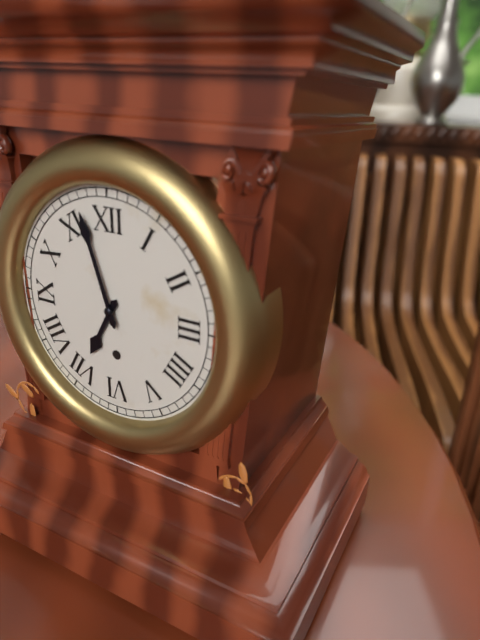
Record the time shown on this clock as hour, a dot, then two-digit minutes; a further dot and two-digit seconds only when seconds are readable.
6.57
